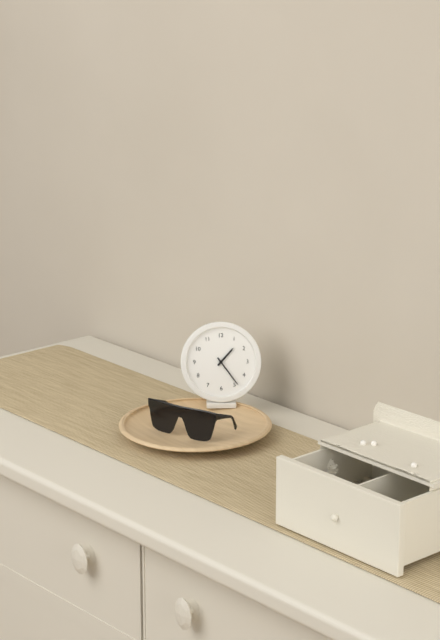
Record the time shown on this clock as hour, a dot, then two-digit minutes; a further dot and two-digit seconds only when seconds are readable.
1.24
